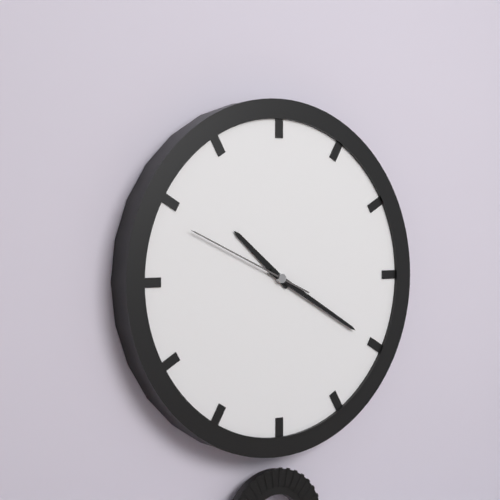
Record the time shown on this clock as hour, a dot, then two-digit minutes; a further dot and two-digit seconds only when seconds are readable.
10.20.49
